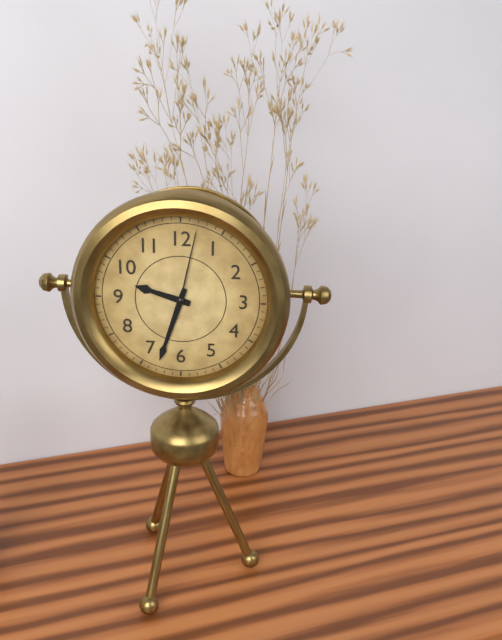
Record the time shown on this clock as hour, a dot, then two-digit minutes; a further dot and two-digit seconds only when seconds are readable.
9.33.02
